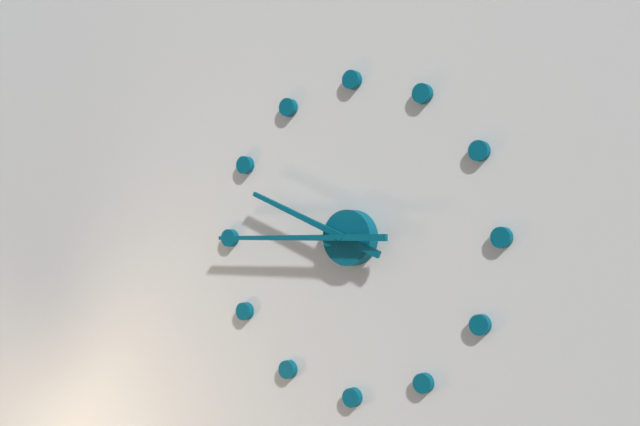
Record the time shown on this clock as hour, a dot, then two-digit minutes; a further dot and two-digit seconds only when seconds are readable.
9.45
